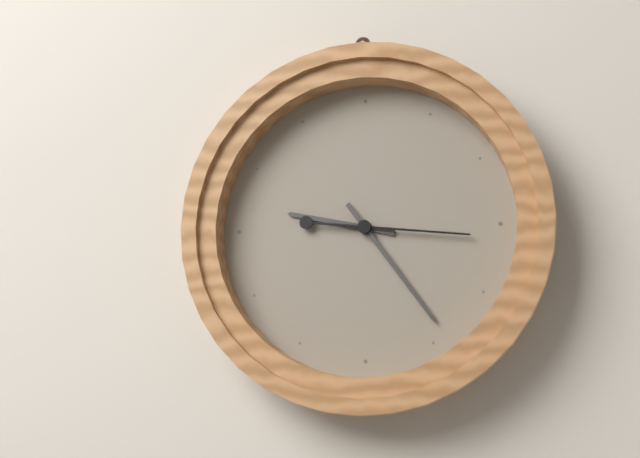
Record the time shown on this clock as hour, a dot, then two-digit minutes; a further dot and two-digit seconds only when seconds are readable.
9.24.16
